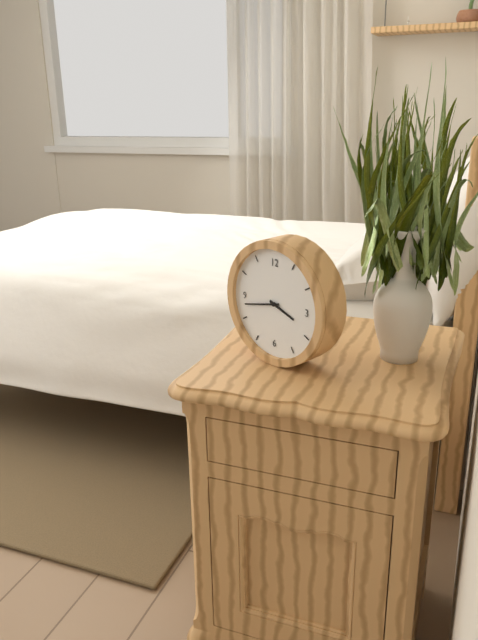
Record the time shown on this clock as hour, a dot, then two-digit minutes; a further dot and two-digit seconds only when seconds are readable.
3.43
